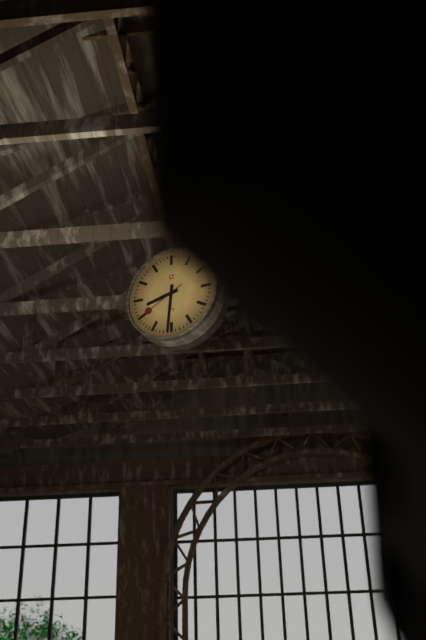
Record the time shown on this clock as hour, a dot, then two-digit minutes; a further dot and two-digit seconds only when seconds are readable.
8.31
